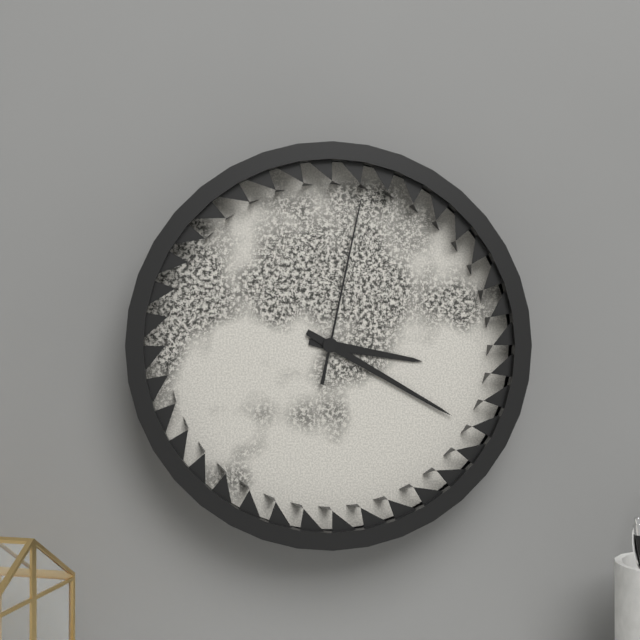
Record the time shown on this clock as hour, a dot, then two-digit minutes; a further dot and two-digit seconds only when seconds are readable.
3.20.02
